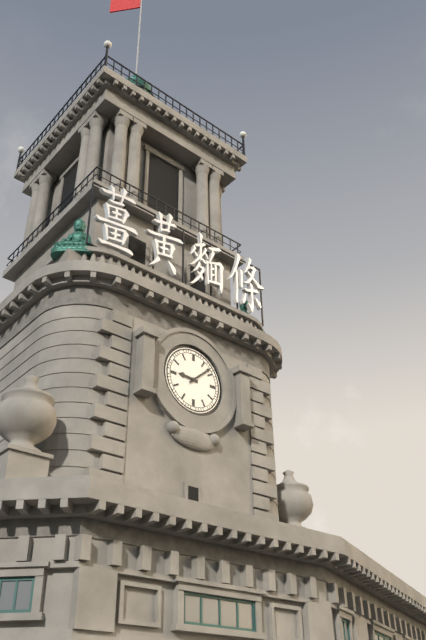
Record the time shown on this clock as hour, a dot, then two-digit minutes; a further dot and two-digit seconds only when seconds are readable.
9.08
